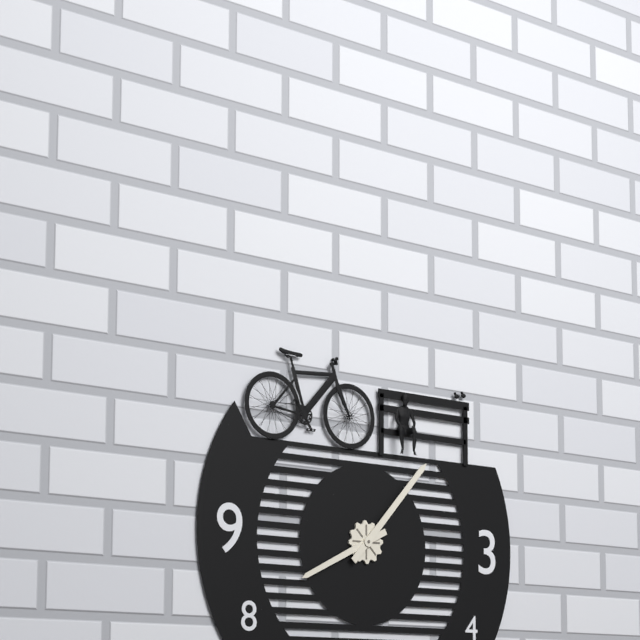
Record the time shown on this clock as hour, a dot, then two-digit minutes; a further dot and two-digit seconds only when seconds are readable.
8.07
